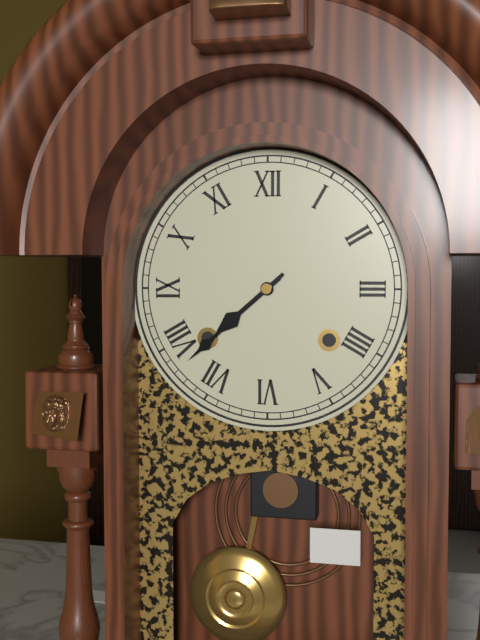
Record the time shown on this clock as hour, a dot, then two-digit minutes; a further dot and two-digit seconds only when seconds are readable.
7.38
